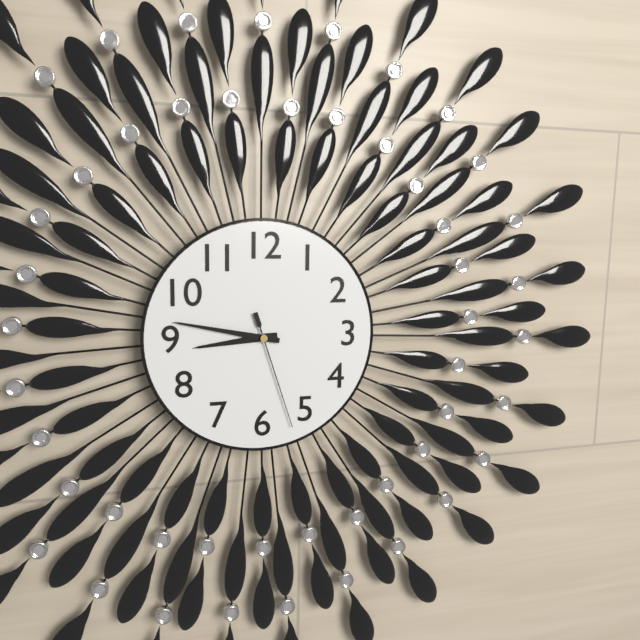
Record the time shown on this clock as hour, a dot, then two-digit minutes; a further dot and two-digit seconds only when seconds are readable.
8.47.27
